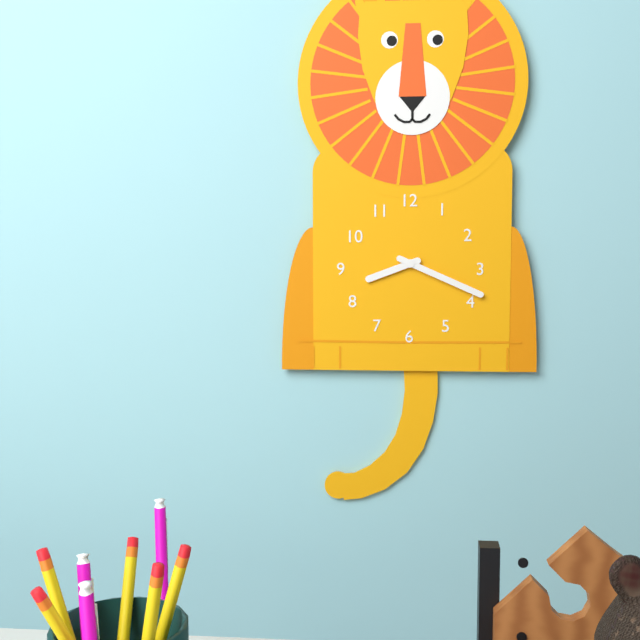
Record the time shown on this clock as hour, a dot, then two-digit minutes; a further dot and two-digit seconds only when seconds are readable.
8.19
